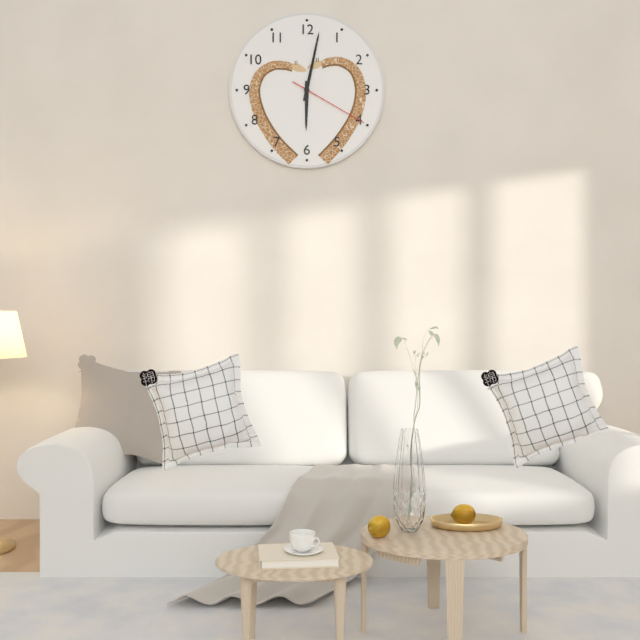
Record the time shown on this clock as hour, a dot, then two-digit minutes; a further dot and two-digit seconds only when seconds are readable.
6.02.20
